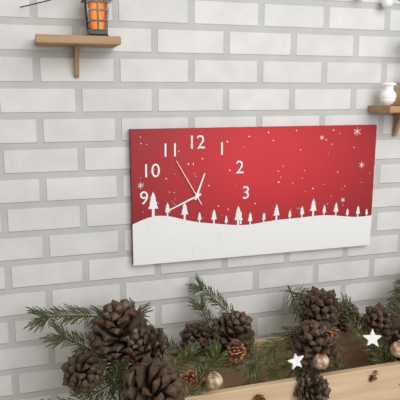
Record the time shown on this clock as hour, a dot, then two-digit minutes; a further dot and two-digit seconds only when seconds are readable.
12.41.55
